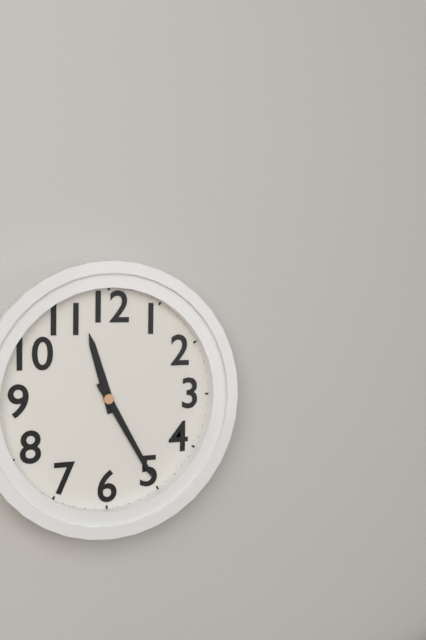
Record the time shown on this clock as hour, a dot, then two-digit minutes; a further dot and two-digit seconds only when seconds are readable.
11.25
